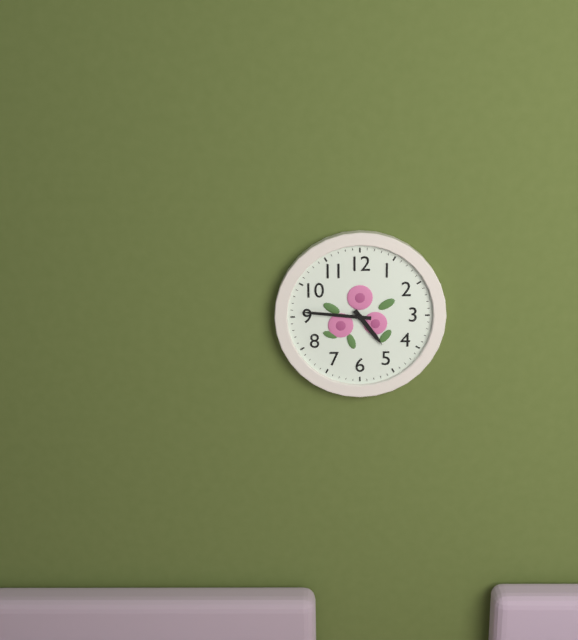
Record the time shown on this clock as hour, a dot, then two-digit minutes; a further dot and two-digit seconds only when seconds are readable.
4.46
